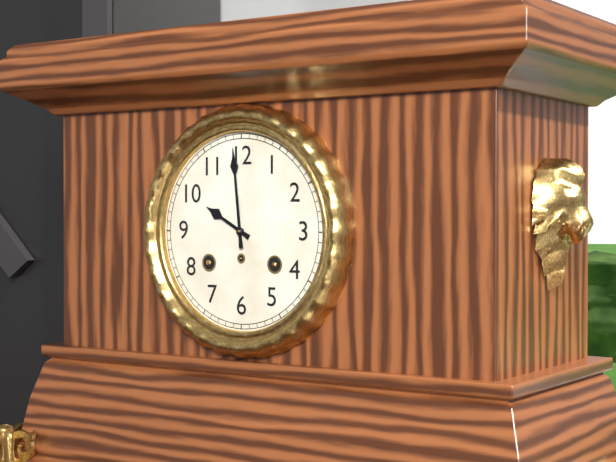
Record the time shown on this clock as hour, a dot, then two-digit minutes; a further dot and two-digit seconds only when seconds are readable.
9.59
